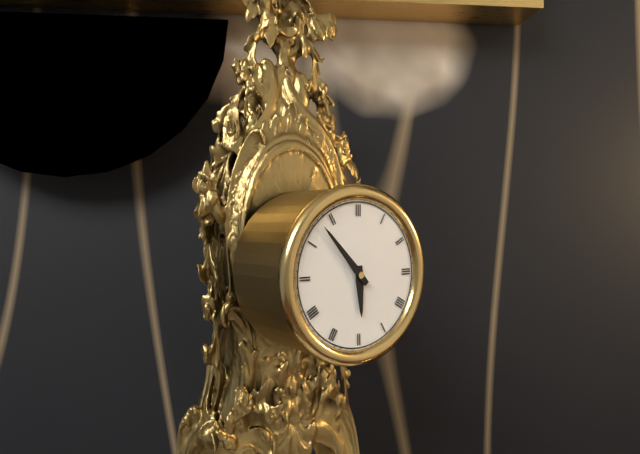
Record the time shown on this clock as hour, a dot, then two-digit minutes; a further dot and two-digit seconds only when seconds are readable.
5.53
